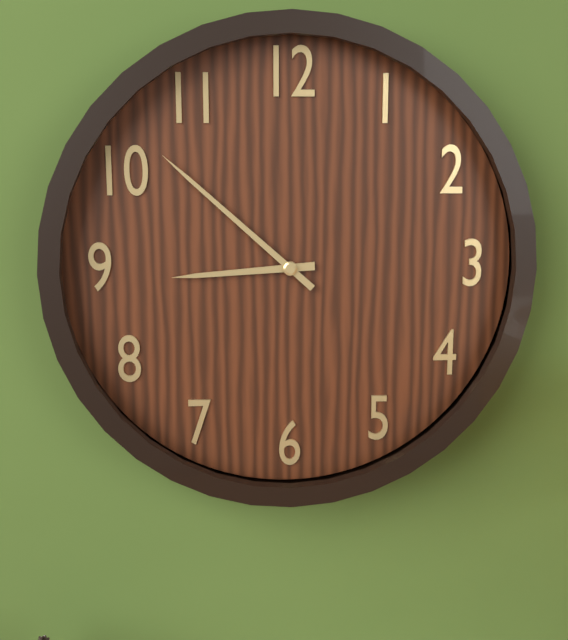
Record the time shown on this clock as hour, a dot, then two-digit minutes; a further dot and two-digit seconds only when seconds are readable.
8.52
